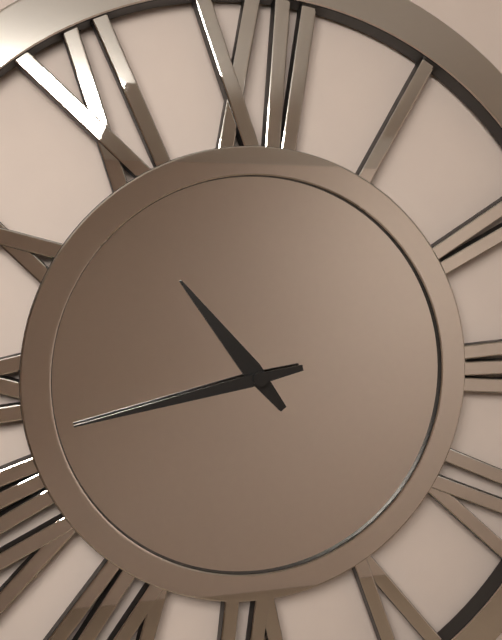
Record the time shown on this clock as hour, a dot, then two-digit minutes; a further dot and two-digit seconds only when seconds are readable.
10.43
